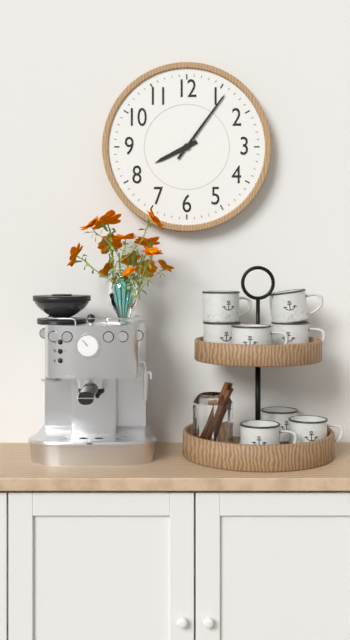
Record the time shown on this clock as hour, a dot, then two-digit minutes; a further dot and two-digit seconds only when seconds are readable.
8.06
